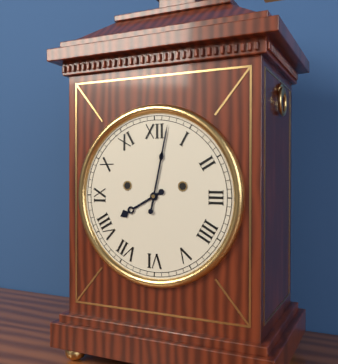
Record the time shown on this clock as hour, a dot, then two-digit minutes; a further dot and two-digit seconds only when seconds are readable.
8.02
